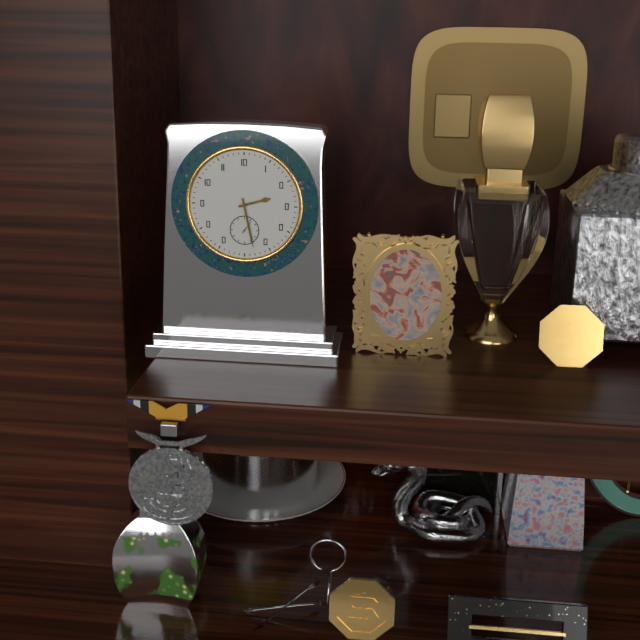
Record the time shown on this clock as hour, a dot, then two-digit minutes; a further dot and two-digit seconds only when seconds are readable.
2.28
